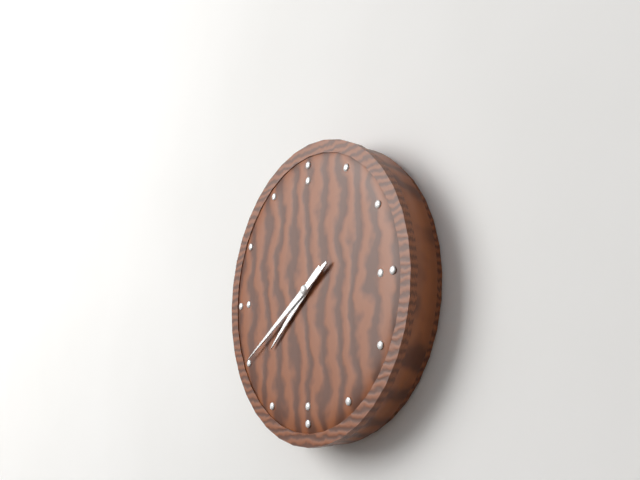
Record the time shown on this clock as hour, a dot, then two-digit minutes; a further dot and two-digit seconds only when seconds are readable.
7.40
